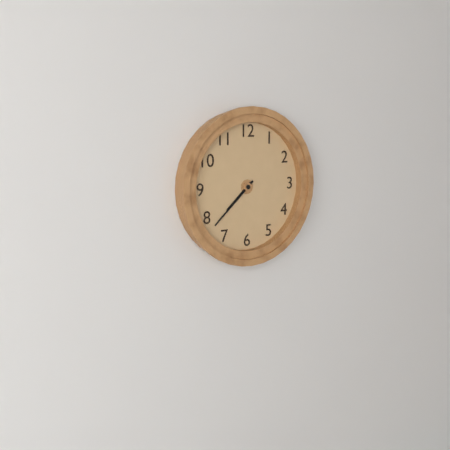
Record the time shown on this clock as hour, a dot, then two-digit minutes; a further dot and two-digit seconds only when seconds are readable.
7.38
